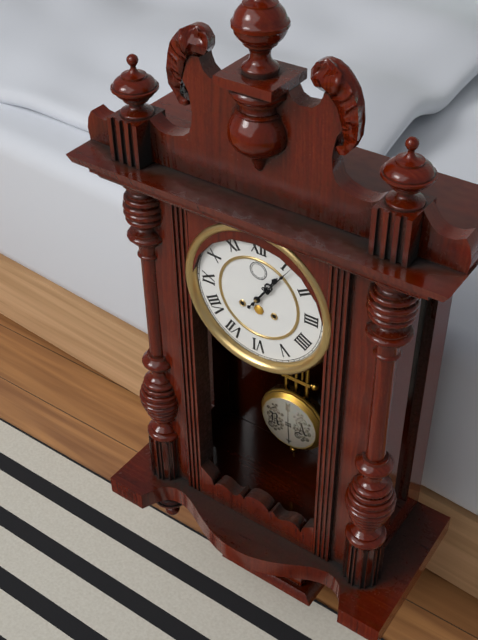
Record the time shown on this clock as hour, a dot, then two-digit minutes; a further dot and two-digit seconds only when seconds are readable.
1.06
